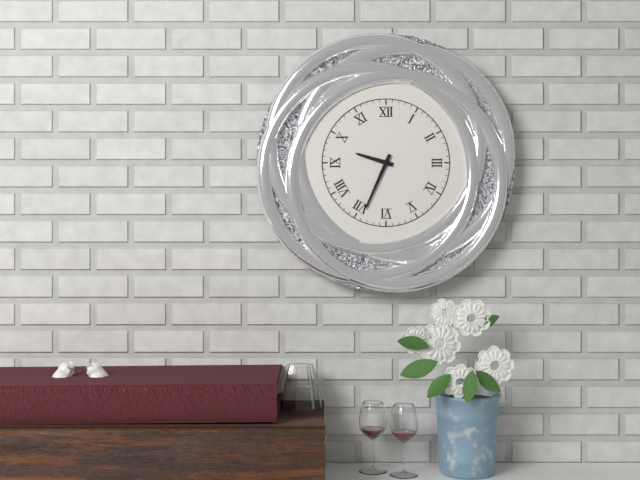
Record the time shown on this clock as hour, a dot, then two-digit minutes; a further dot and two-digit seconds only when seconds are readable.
9.34
